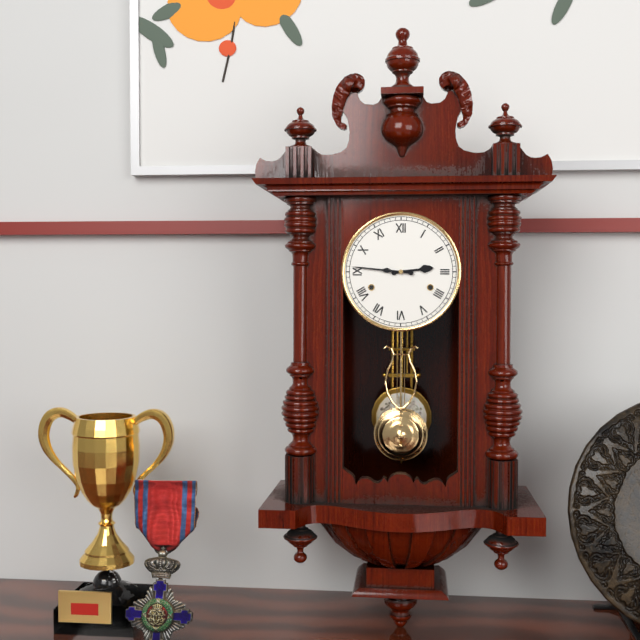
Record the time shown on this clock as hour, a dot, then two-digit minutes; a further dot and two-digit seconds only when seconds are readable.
2.46
